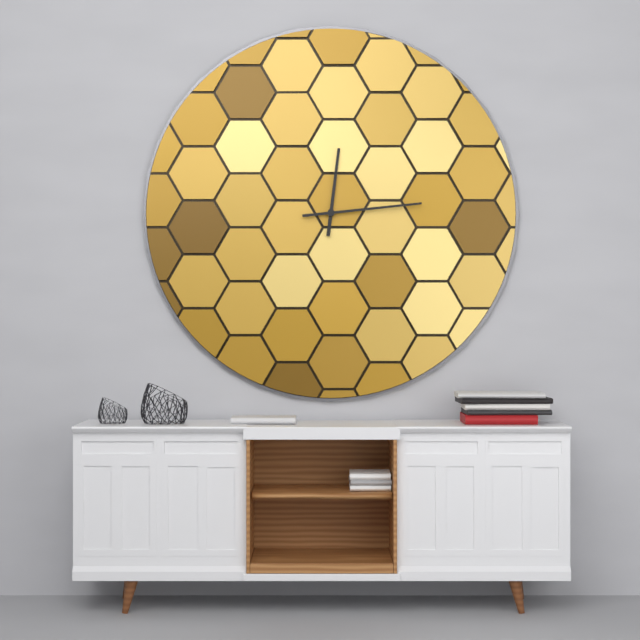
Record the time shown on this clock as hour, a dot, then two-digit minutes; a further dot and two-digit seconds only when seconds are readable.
12.14
